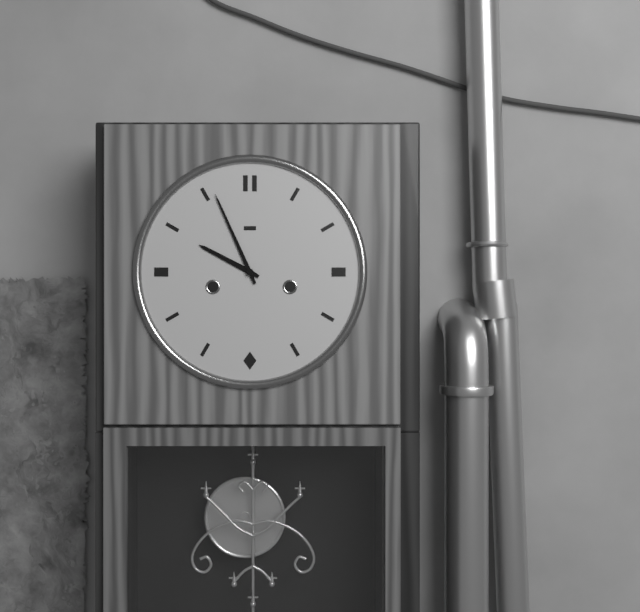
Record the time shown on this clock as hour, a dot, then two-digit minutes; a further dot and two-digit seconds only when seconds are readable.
9.56
